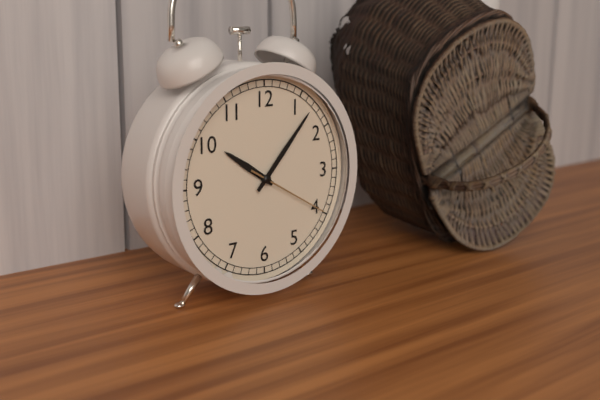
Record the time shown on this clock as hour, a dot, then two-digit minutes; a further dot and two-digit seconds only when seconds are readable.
10.07.20
